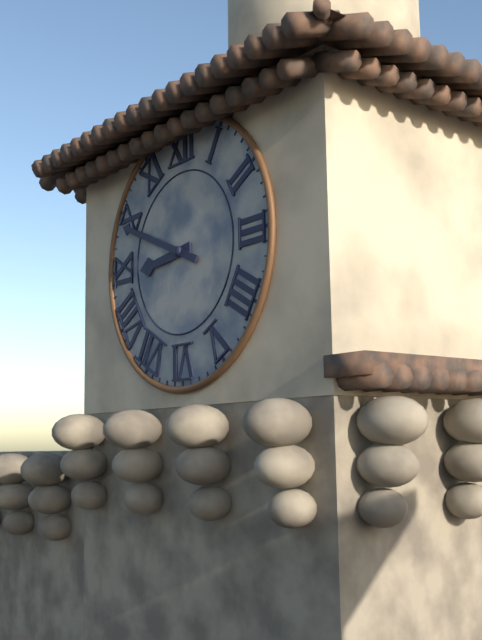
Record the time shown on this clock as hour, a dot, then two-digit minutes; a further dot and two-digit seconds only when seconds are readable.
8.49
